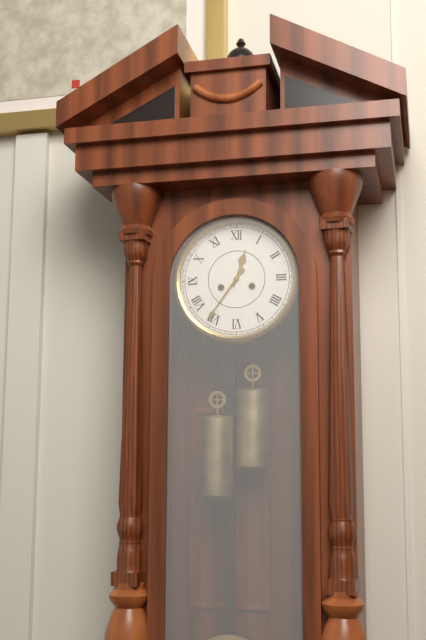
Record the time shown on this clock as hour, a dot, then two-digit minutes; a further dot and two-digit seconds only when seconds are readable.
12.36
